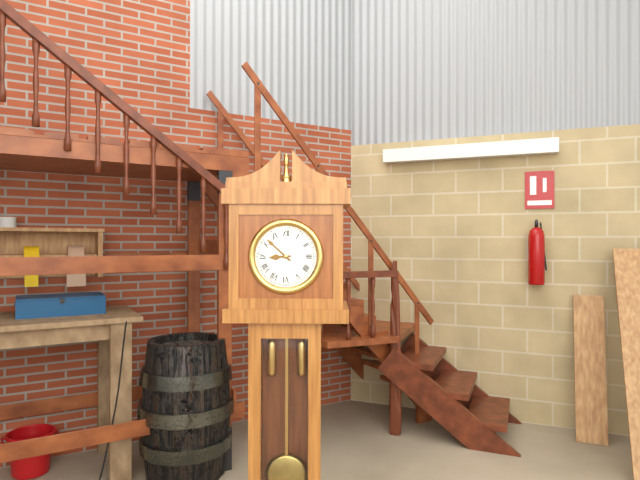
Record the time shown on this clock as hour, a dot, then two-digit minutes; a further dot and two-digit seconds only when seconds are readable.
8.52
